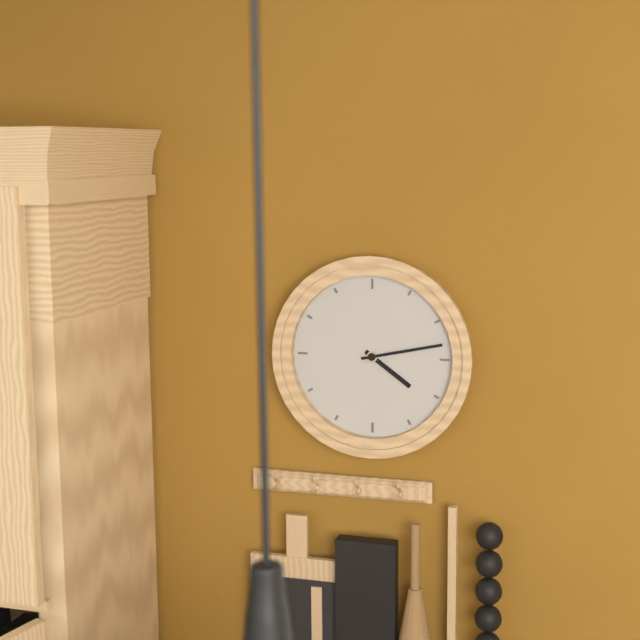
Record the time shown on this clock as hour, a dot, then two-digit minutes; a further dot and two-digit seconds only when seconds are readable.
4.13
